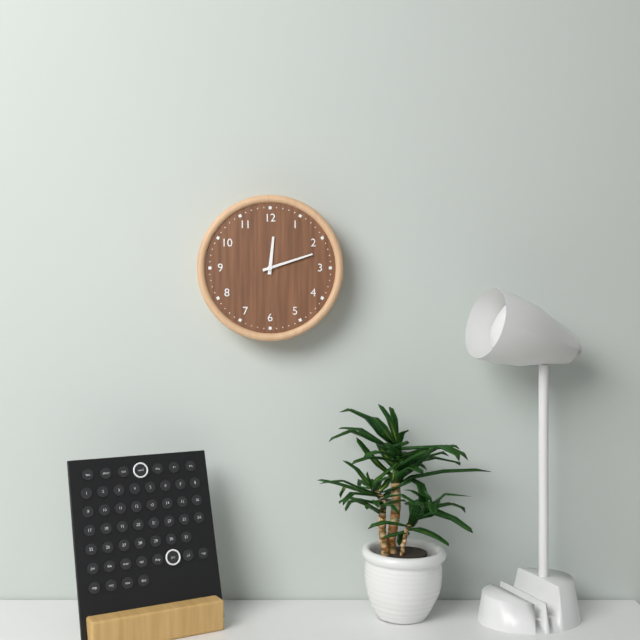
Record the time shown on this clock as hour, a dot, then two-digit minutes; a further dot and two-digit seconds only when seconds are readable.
12.12
